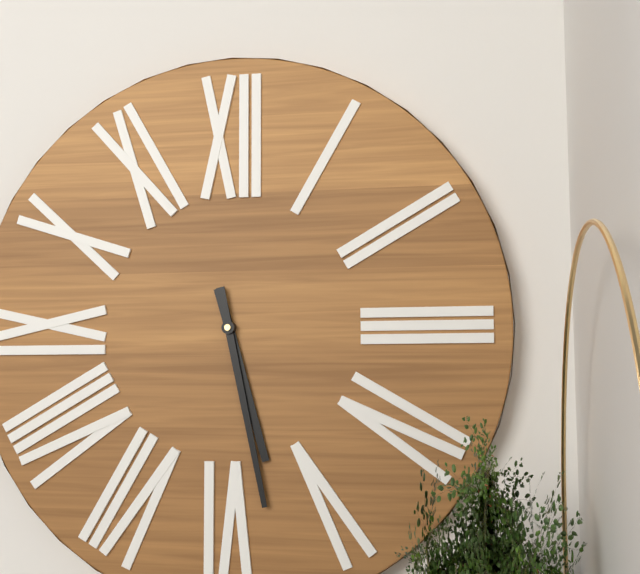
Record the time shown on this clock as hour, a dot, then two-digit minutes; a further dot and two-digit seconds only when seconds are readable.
5.28
